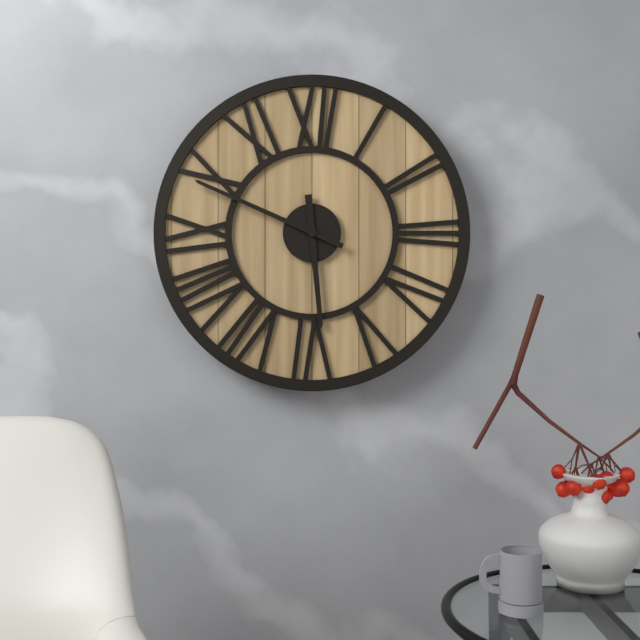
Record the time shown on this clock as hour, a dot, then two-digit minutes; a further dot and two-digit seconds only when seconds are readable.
5.49
